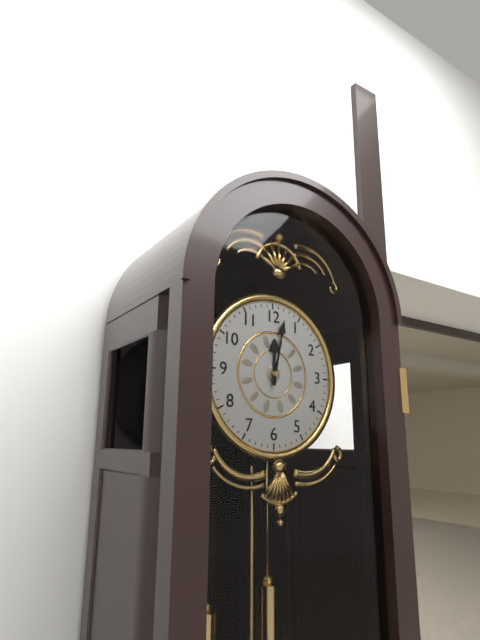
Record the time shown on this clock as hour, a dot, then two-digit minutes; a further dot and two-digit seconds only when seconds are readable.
12.02
